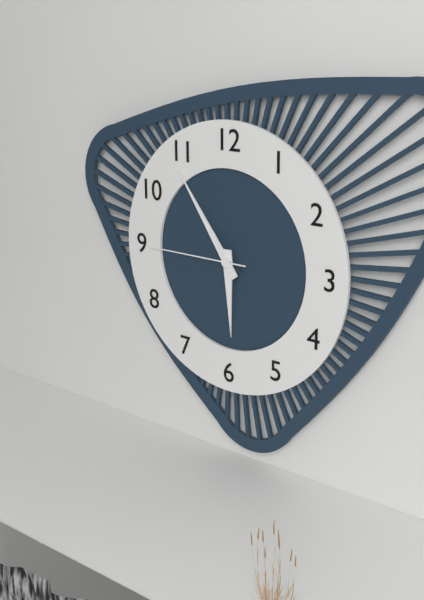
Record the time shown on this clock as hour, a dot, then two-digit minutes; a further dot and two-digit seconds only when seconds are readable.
5.54.45
